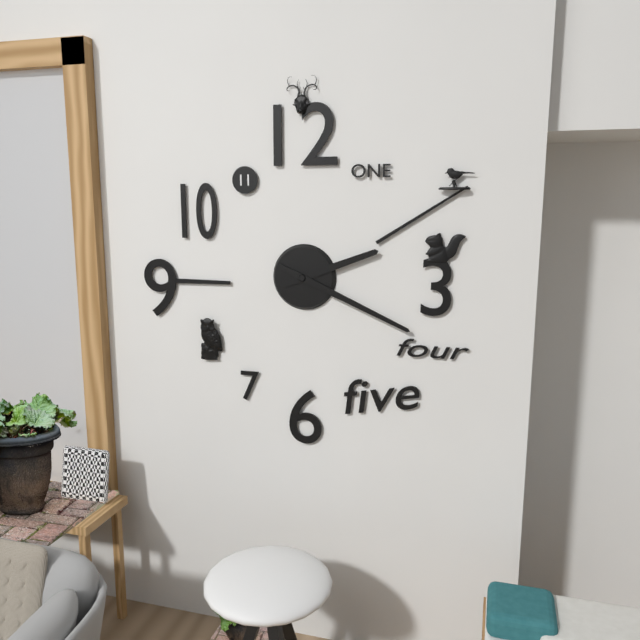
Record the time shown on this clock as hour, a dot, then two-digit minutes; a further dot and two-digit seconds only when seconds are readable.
2.19
